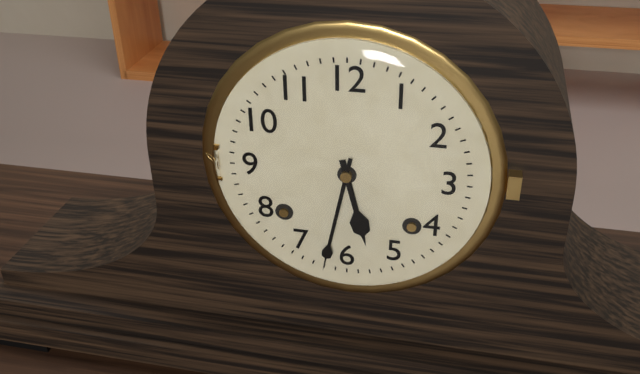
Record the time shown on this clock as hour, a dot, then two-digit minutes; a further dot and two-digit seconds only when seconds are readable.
5.32
